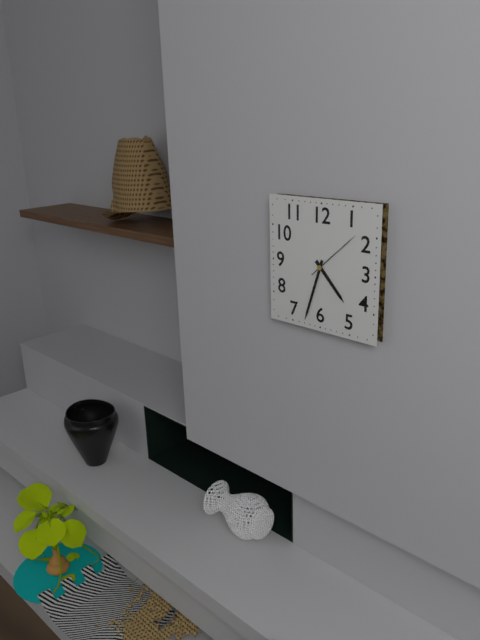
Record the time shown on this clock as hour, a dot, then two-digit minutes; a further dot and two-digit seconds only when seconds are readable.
4.33.08
